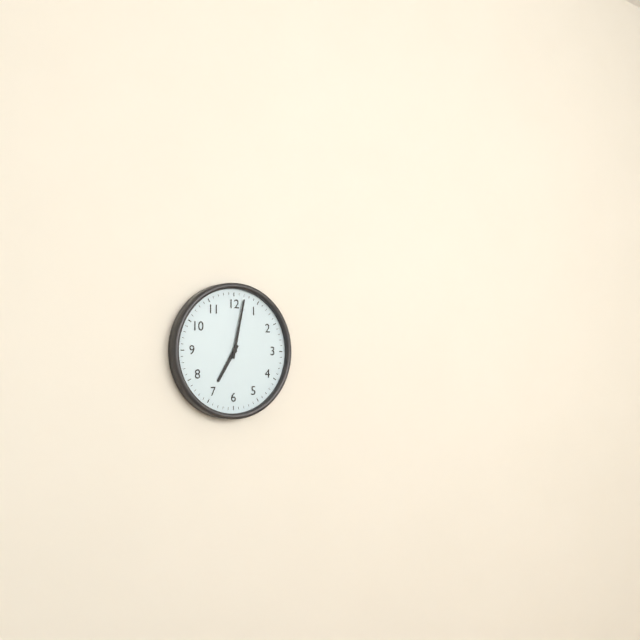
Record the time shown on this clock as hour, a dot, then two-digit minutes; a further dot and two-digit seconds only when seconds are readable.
7.02
